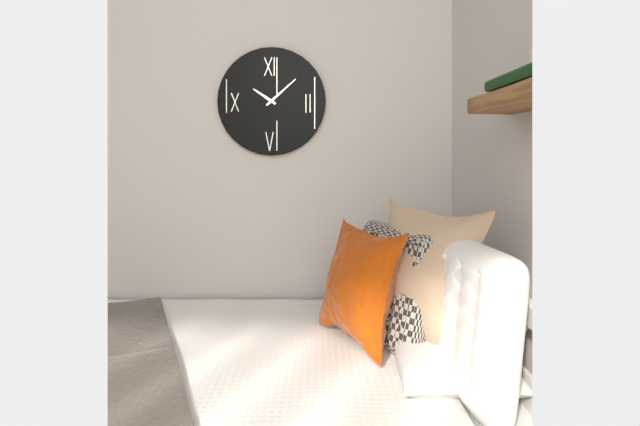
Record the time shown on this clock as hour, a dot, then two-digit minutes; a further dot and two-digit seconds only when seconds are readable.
10.08
